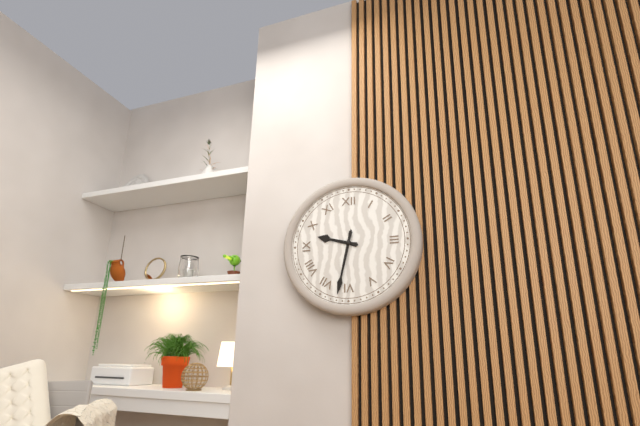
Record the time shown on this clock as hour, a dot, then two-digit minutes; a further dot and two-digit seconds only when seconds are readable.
9.32
